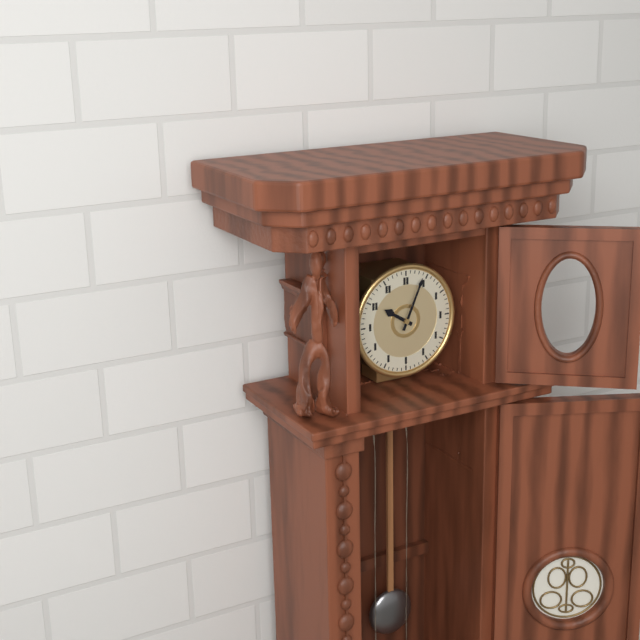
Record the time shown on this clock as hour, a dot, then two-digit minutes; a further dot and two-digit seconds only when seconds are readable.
10.04
